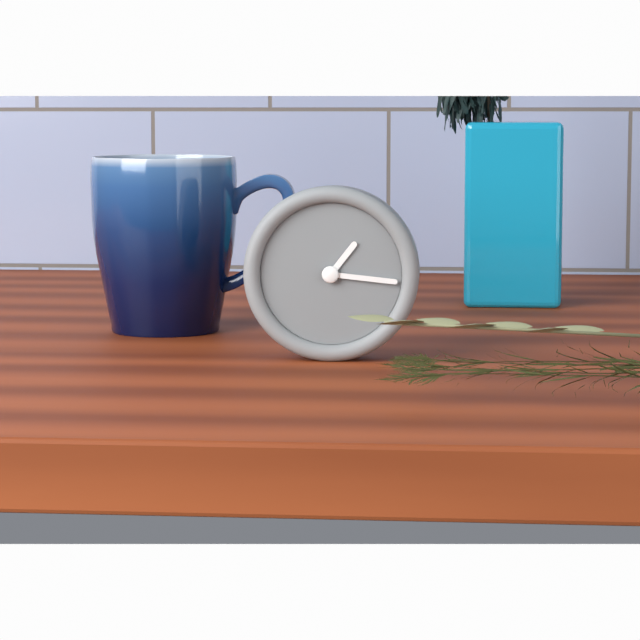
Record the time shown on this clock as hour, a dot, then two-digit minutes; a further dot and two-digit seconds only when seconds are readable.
1.16
